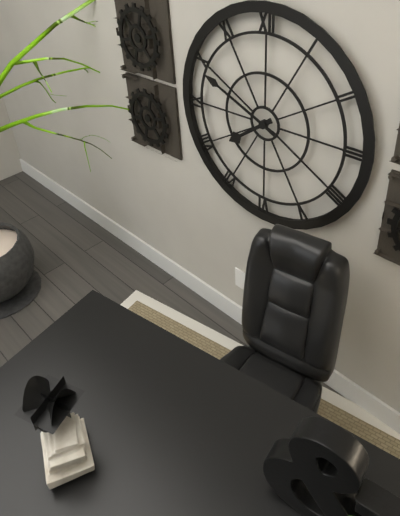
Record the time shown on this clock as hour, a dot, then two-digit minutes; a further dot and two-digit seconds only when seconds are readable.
7.49
